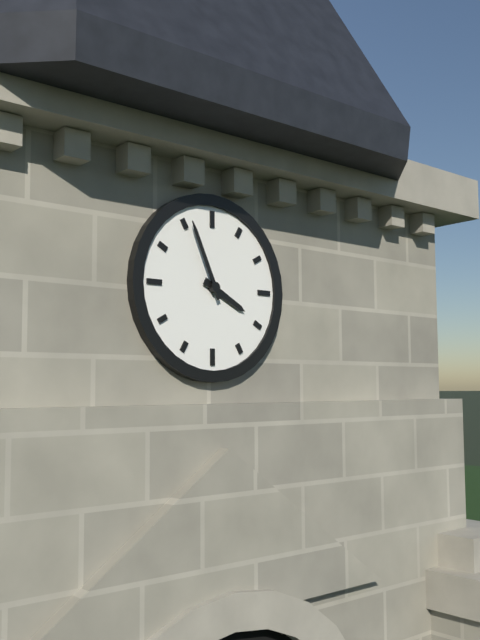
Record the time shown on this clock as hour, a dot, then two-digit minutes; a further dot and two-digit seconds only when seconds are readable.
3.56
